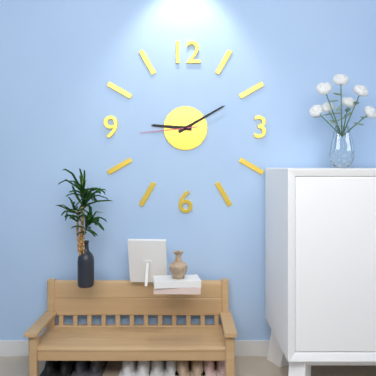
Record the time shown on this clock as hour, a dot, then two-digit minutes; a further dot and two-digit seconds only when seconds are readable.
9.10.44
